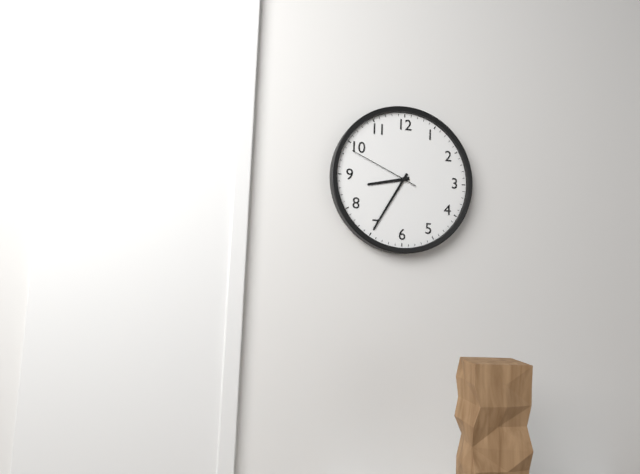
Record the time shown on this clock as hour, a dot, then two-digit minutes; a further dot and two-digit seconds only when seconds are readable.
8.35.49
